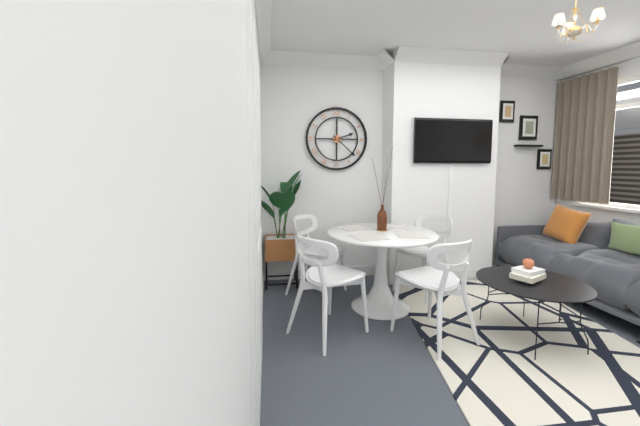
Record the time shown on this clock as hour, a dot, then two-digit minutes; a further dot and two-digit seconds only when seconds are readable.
2.22
